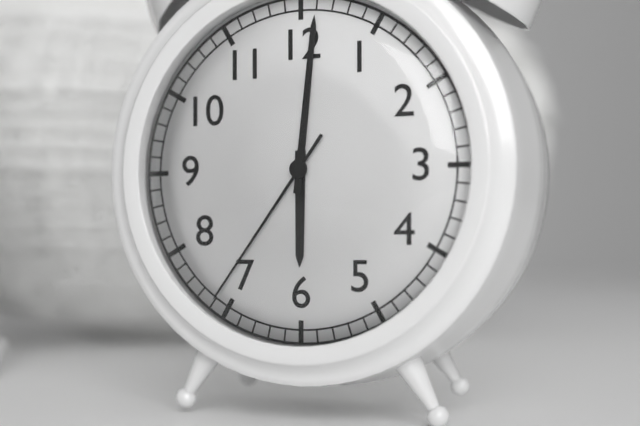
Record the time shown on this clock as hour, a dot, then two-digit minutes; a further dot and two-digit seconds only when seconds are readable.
6.01.36
